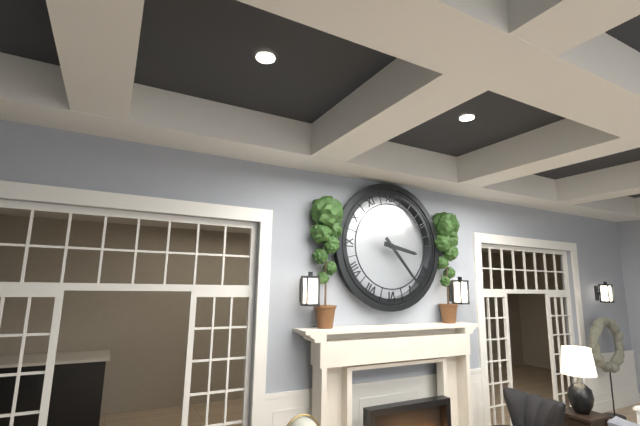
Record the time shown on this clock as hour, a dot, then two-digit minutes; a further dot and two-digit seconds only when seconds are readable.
3.23
